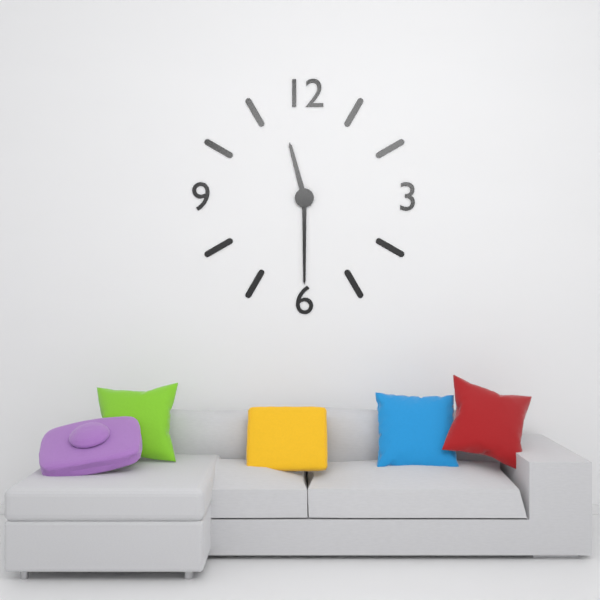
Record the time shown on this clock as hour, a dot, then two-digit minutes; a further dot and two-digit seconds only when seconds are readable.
11.30
